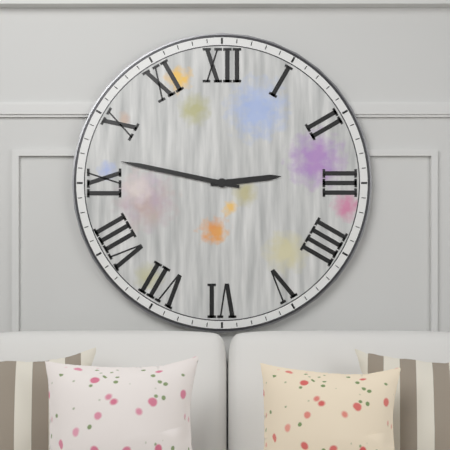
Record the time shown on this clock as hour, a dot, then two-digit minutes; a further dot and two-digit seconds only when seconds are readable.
2.47
